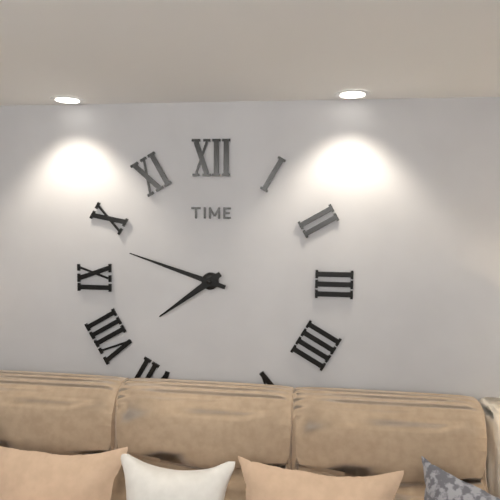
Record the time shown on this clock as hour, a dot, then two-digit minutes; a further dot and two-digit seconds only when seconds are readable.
7.48
